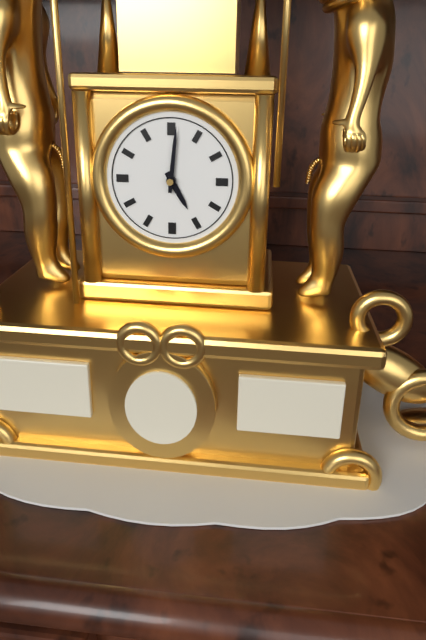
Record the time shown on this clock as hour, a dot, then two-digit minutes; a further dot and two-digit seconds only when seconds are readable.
5.01
